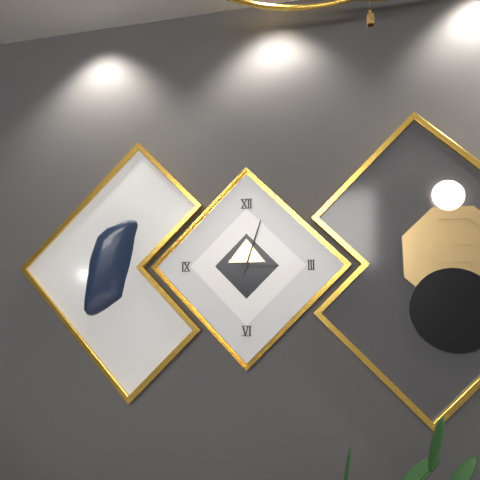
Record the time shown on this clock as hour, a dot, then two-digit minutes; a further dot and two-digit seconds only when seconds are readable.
3.03
